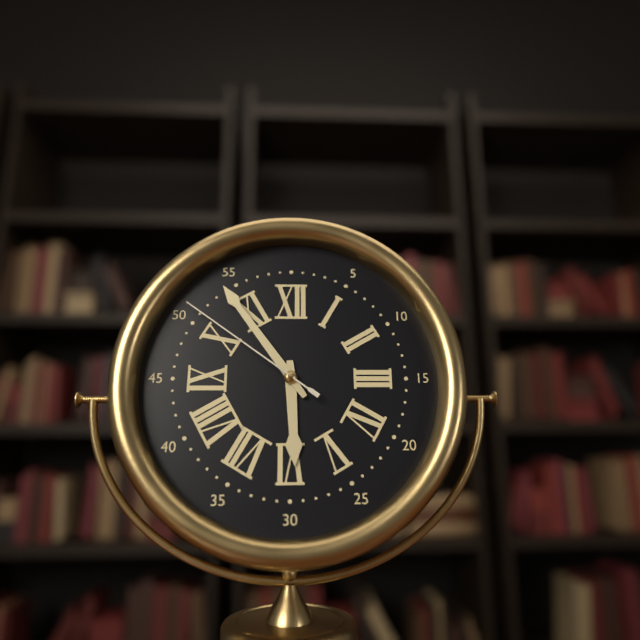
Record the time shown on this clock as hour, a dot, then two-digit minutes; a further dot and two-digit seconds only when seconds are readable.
5.54.51
